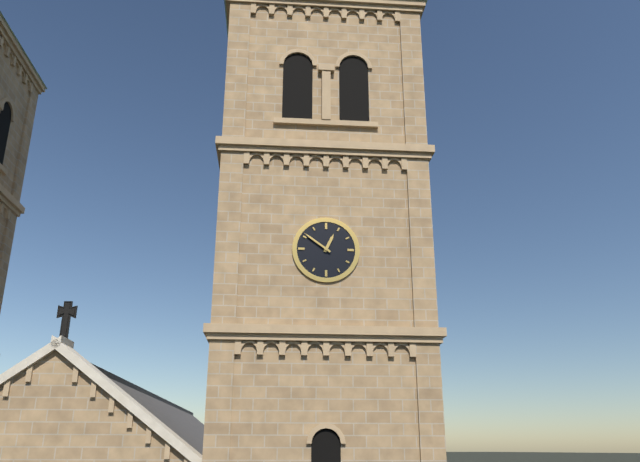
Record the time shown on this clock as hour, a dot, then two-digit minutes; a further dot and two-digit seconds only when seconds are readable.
12.51
